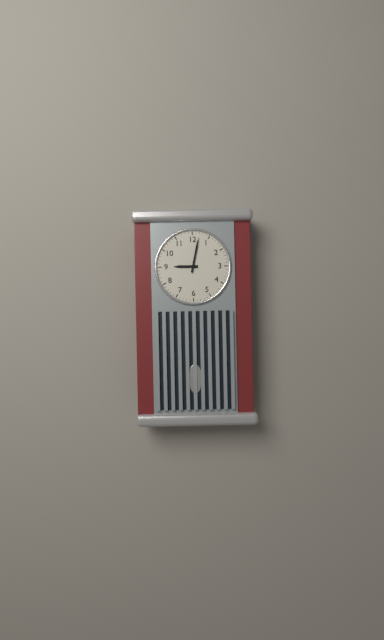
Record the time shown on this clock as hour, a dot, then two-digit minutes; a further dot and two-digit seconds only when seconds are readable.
9.02
